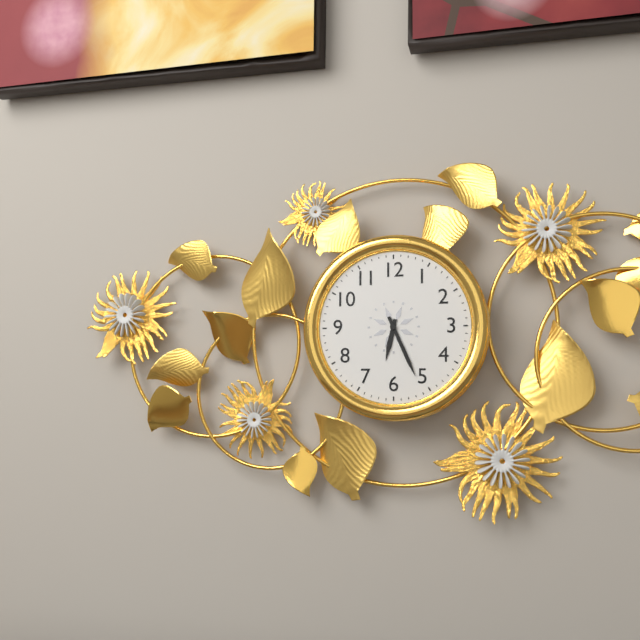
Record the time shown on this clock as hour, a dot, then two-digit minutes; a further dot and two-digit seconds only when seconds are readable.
6.26
